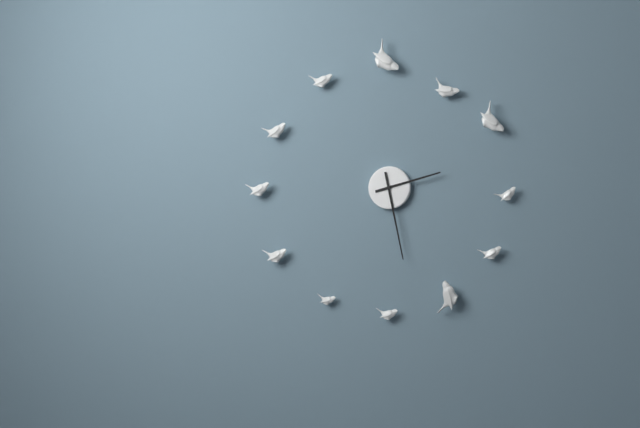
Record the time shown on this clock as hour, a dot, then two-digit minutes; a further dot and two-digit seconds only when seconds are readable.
2.28
